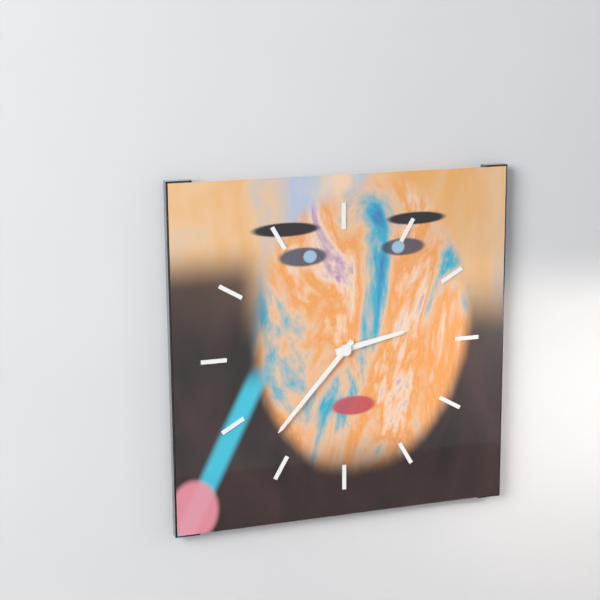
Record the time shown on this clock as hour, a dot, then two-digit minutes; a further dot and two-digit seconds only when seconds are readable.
2.37
